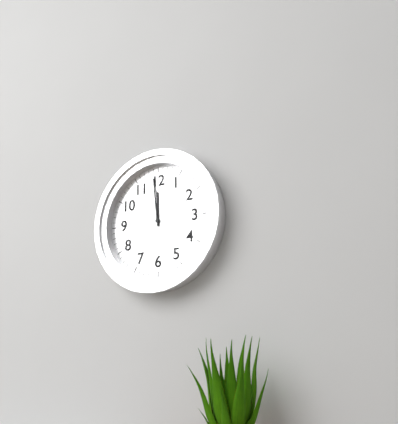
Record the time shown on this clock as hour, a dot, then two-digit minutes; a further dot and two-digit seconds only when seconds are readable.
11.59
